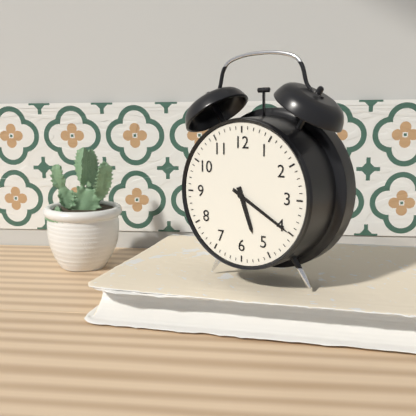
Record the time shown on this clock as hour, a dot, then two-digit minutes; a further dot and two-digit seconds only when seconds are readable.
5.20
